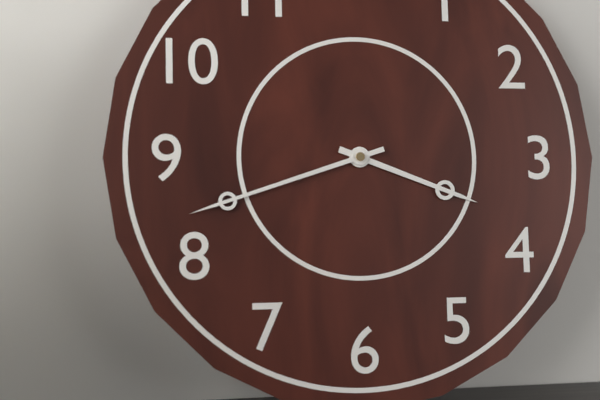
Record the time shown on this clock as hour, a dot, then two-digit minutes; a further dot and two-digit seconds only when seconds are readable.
3.42
